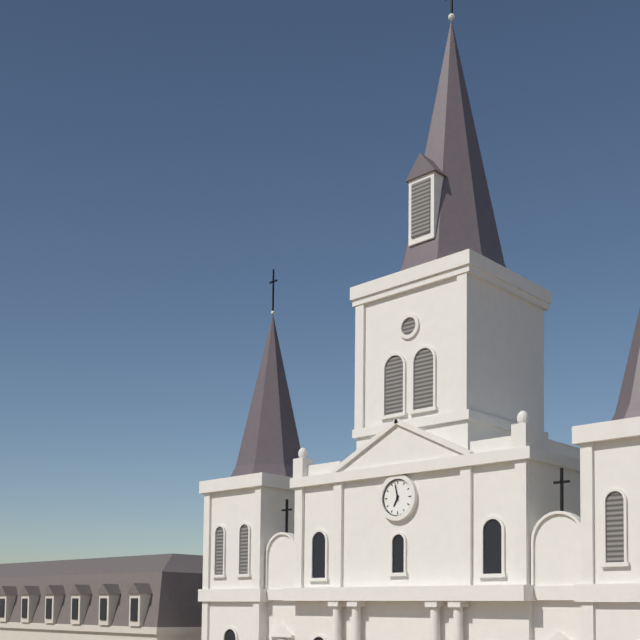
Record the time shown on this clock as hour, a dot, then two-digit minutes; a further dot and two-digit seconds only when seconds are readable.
6.58
